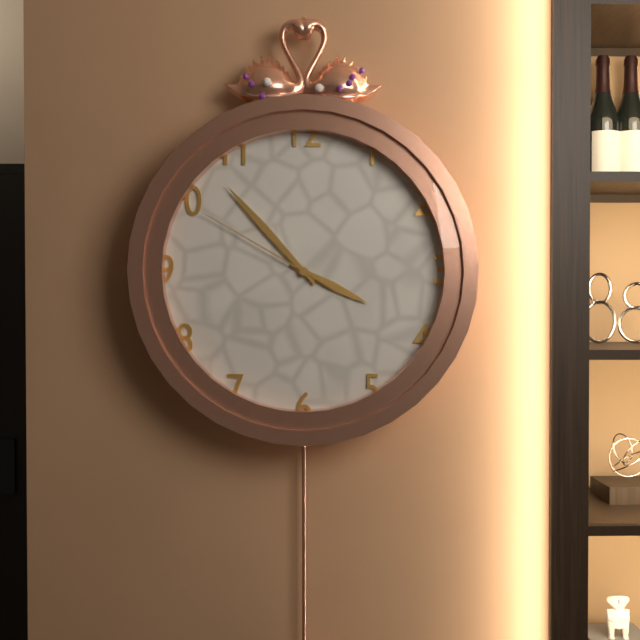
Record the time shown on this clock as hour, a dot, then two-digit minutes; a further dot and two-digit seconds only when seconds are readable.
3.53.50
